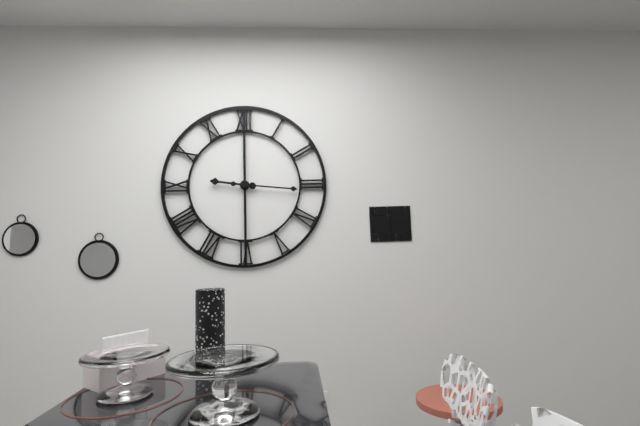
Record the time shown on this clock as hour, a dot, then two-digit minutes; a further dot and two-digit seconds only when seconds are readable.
9.16
